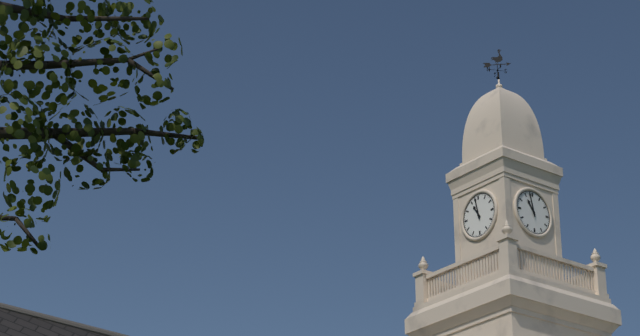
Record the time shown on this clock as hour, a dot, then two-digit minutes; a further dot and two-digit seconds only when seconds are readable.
10.58
